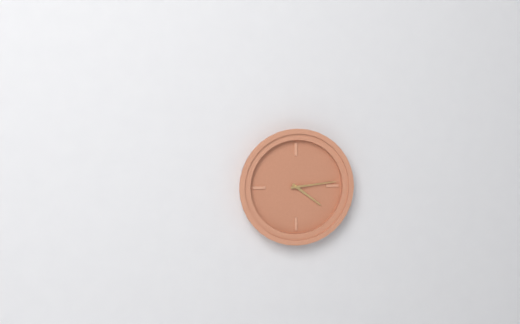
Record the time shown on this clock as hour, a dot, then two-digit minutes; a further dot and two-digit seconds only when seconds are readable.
4.14
